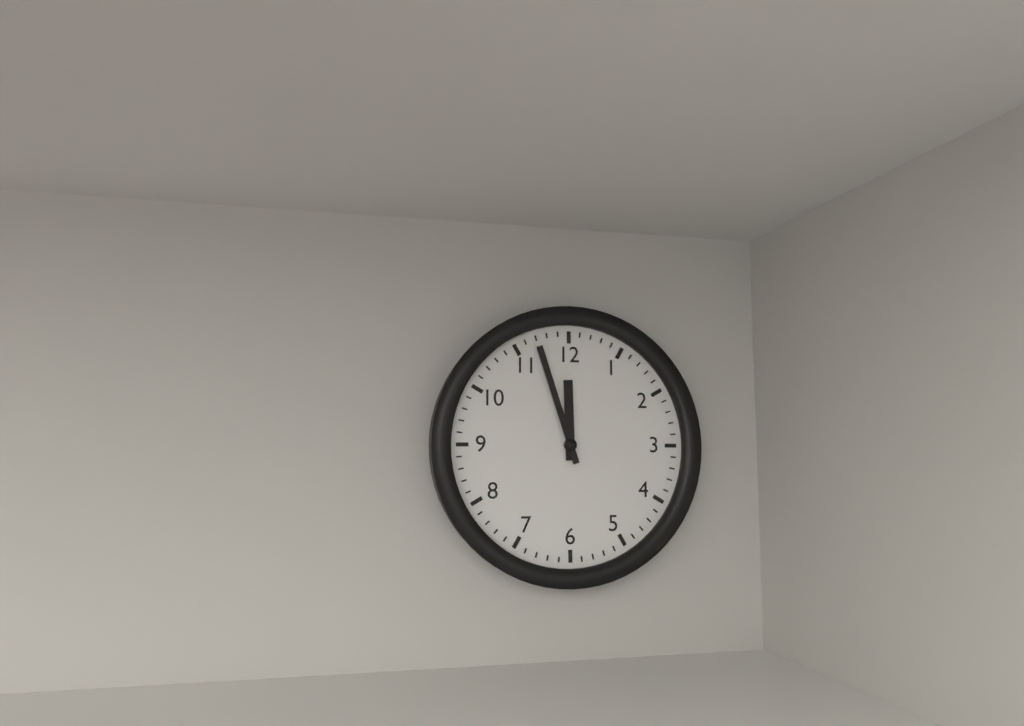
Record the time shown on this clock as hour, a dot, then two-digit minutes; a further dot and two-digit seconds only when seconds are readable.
11.57
